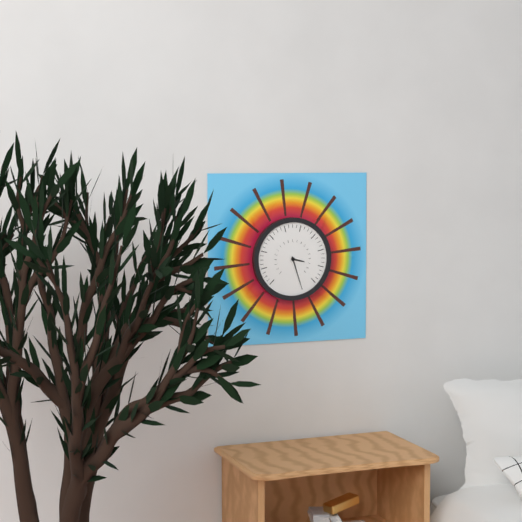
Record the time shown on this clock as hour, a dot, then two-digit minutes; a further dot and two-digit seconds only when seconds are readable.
3.27
